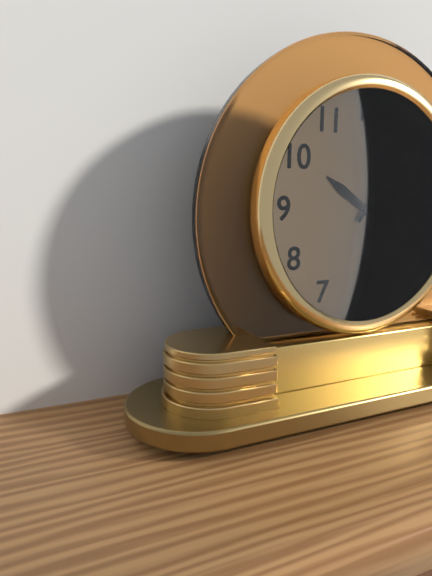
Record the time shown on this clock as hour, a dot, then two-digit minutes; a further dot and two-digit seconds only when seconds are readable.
10.06
